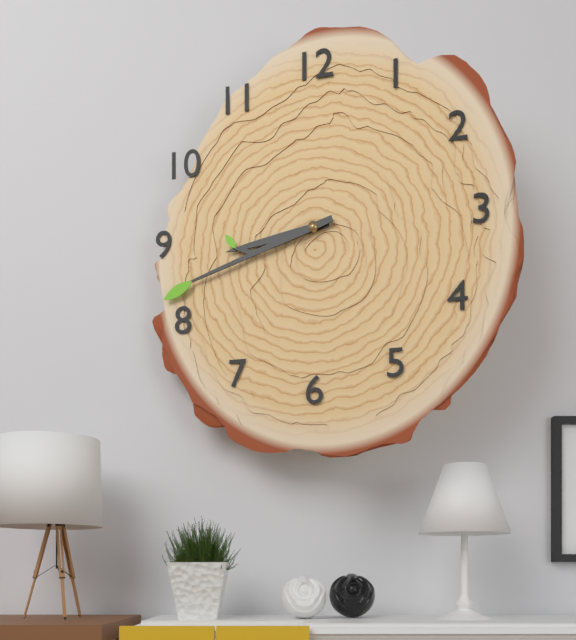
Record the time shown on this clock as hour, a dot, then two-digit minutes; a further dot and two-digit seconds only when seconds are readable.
8.42
